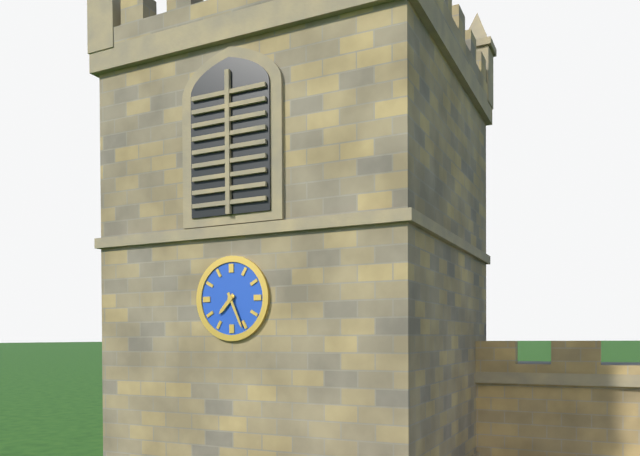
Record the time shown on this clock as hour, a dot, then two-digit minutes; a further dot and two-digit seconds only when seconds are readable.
7.26
